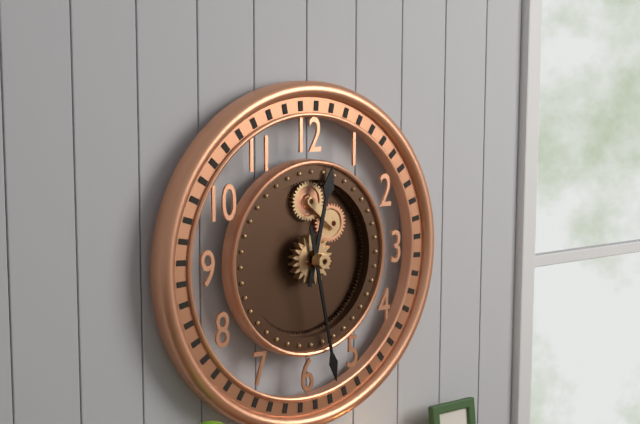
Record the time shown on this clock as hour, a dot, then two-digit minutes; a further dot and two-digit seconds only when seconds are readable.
12.28
